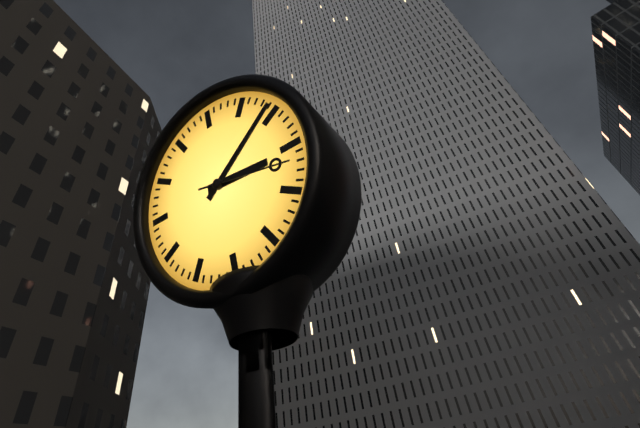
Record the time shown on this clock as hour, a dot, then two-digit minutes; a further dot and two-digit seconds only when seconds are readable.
3.09.17
